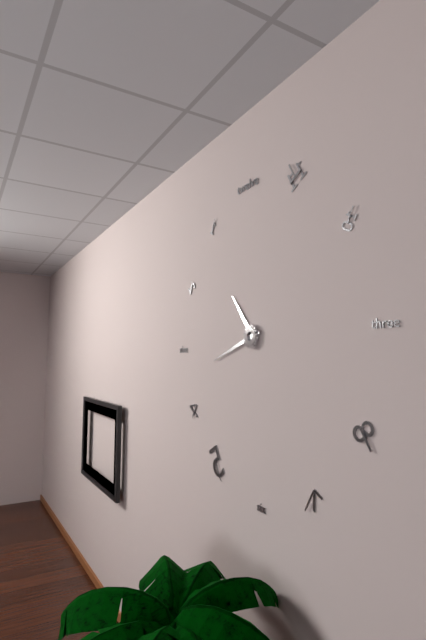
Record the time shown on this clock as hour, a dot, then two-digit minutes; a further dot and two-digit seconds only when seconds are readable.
10.42
